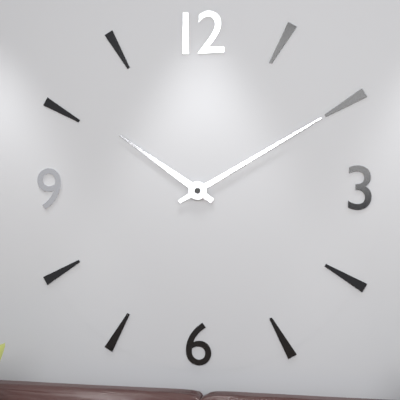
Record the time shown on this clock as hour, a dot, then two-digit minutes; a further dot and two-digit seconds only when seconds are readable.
10.10
